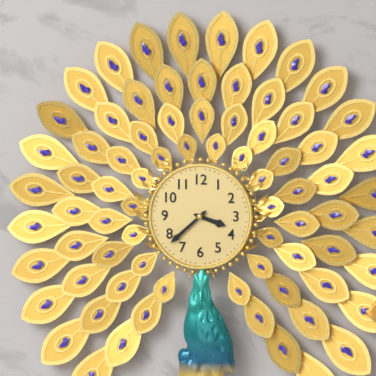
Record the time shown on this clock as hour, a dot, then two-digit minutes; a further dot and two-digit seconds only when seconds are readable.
3.38
